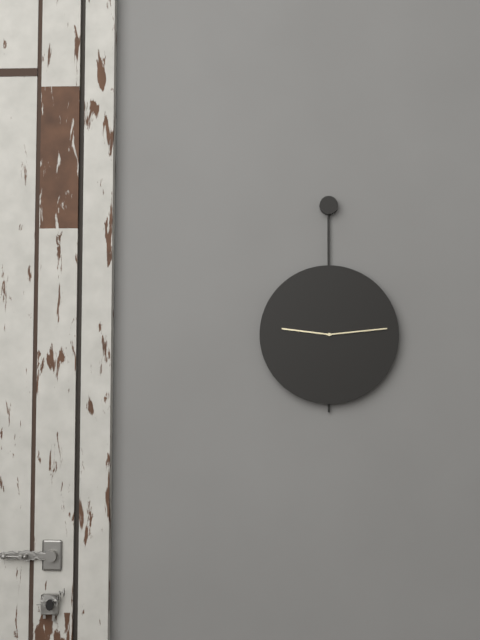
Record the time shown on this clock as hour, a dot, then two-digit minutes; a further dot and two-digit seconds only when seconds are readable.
9.14
